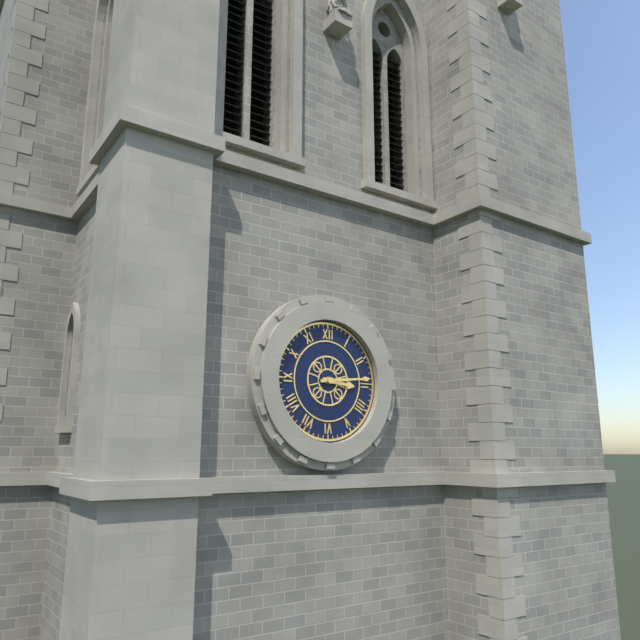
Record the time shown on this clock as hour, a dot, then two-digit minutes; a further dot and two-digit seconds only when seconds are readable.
3.14
